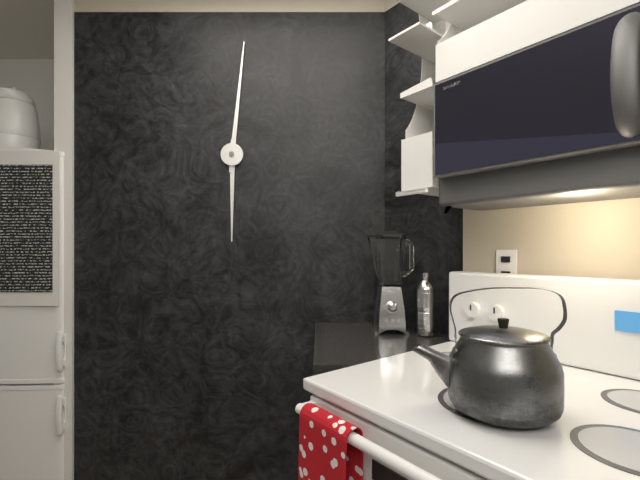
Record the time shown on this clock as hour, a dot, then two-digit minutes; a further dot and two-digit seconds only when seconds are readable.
6.01
